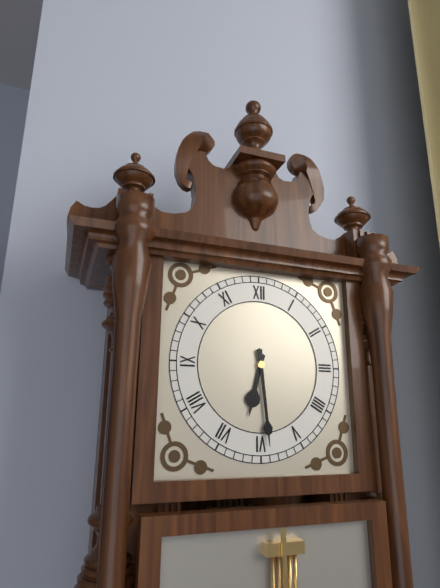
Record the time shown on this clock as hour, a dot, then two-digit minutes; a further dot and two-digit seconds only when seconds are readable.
6.29
